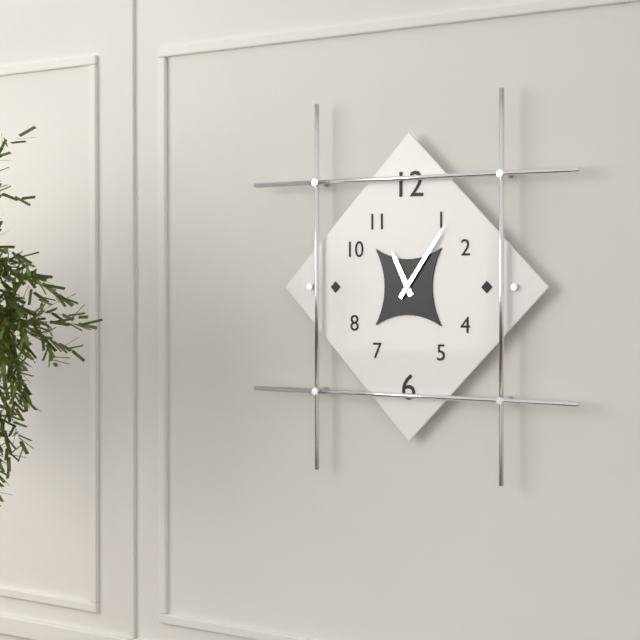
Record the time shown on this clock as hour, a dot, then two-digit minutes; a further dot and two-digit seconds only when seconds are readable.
11.06
